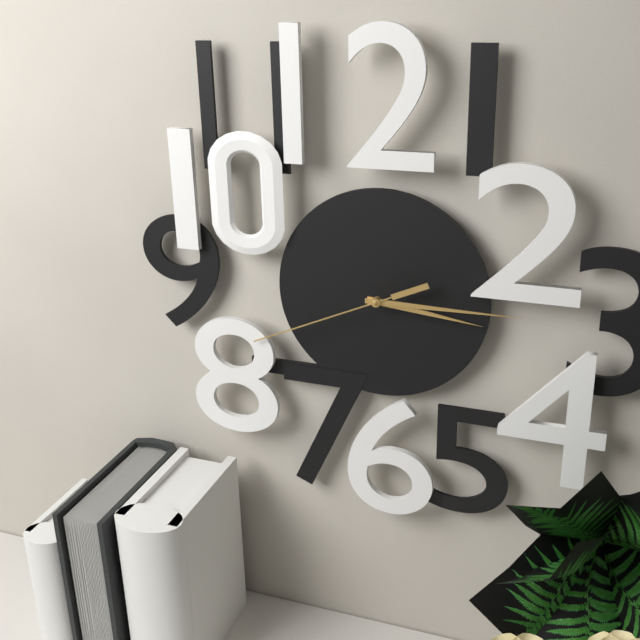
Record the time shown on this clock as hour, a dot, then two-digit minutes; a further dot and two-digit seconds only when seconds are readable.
3.15.41
